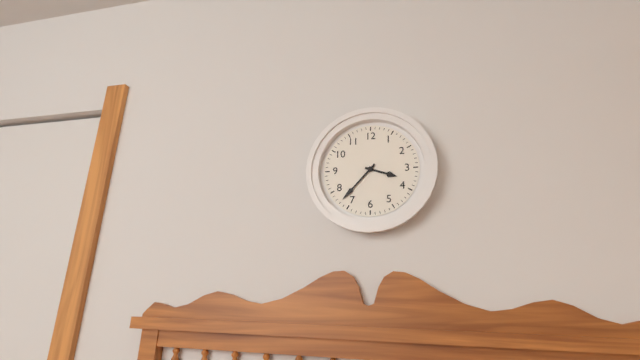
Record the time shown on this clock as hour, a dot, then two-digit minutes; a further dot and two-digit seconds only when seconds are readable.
3.37
